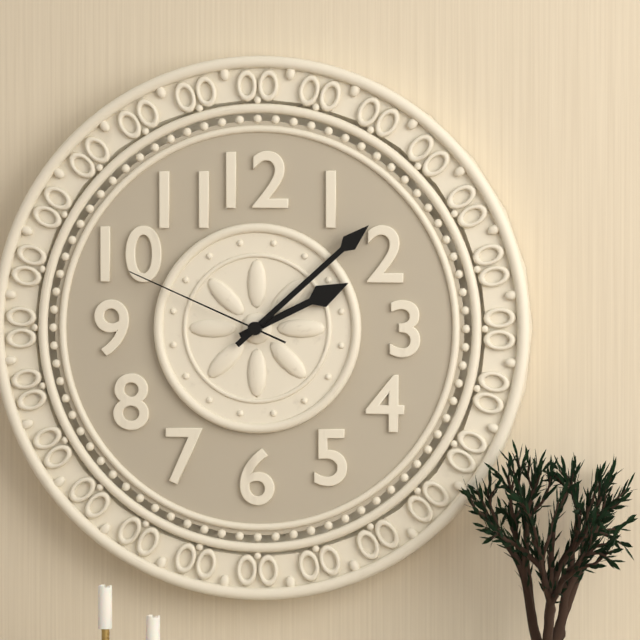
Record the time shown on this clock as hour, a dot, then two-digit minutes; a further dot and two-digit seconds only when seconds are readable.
2.08.49
